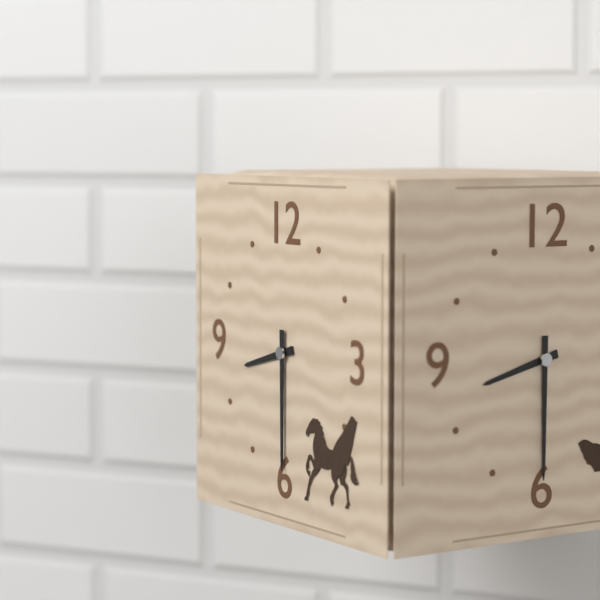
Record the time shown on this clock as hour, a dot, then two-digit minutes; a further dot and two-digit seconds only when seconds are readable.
8.30
